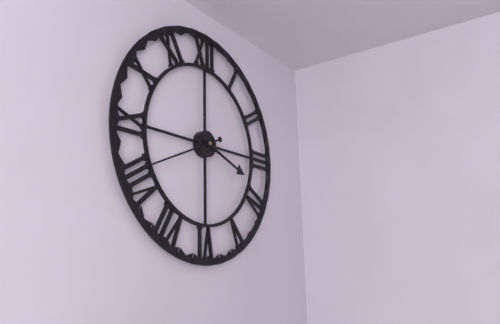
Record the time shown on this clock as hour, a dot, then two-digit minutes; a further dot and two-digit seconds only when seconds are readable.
3.41
